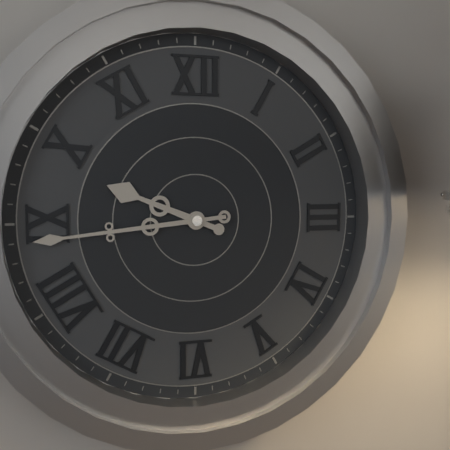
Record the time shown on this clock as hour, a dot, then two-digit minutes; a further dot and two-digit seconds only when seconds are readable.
9.44
